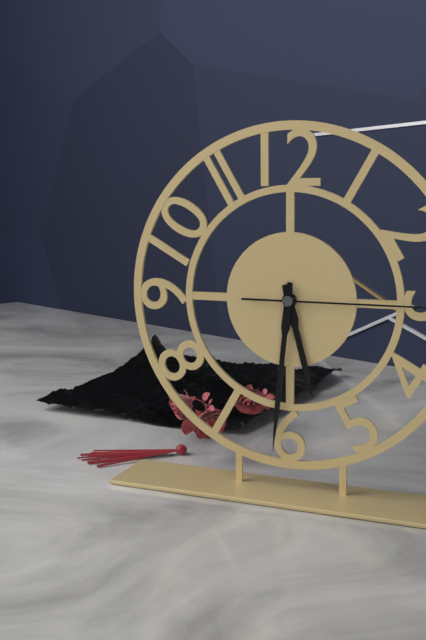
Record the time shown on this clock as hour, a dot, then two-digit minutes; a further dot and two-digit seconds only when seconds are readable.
5.31
